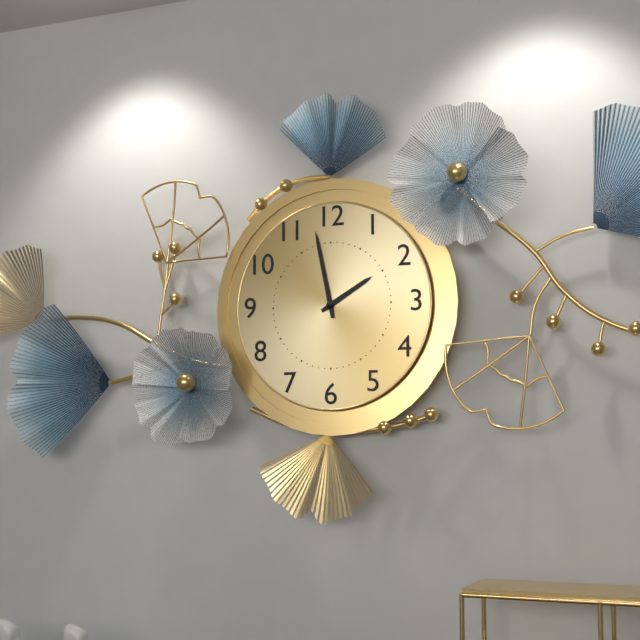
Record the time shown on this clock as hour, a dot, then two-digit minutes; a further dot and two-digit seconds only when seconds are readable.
1.58
